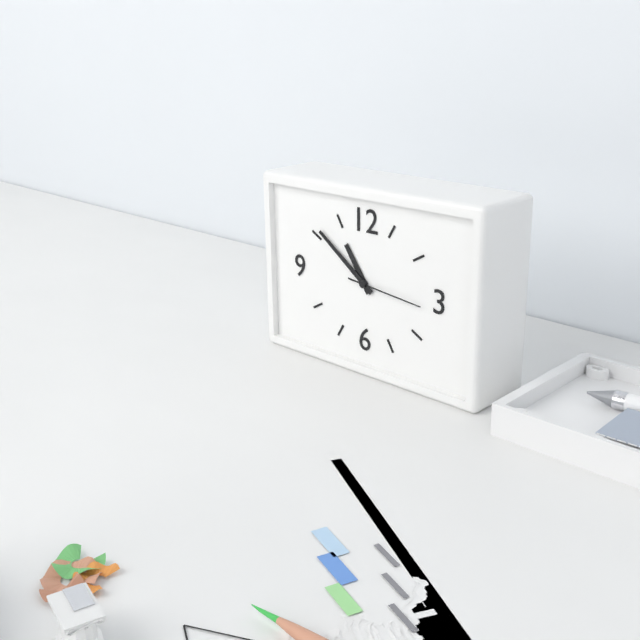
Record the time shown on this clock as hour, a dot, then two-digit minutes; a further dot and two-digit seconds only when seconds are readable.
10.51.16
